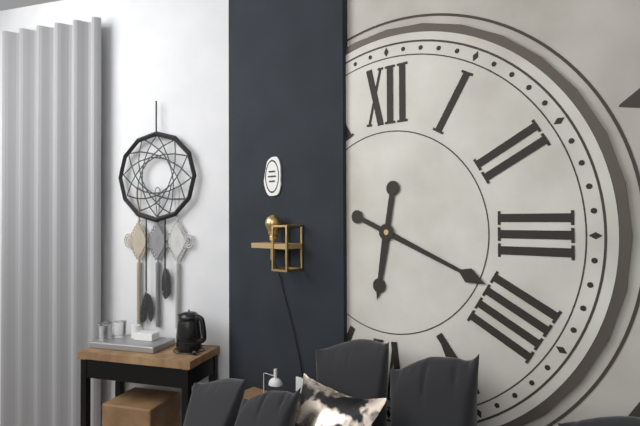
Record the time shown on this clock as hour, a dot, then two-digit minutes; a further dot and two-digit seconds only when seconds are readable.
6.19
